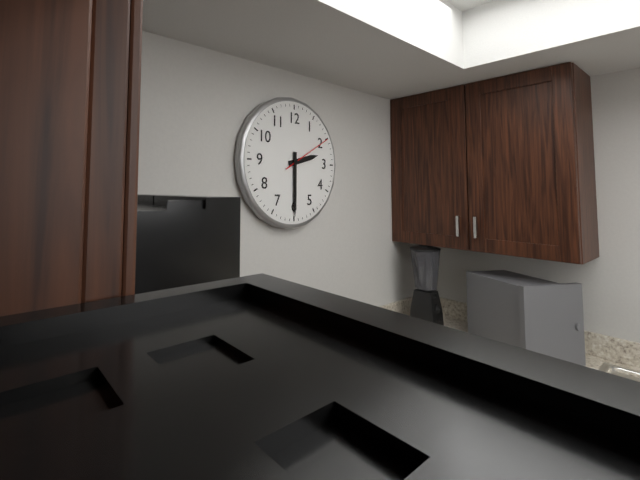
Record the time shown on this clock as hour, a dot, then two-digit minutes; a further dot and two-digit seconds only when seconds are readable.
2.30
